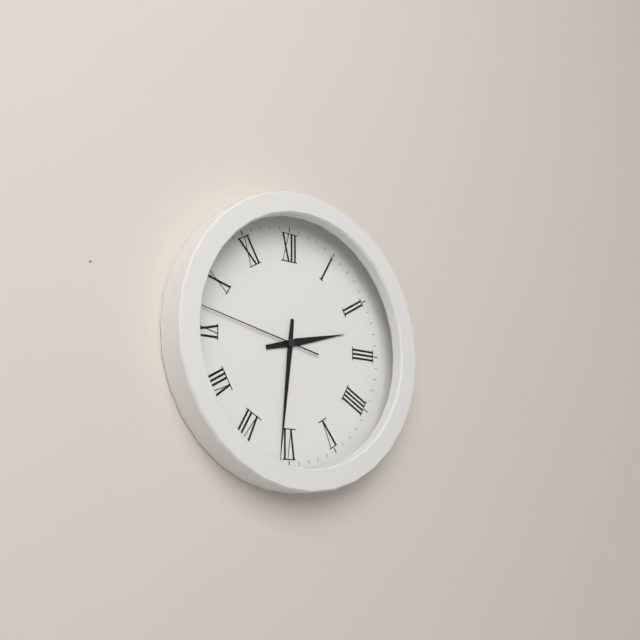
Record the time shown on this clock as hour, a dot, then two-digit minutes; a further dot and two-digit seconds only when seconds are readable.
2.31.47
